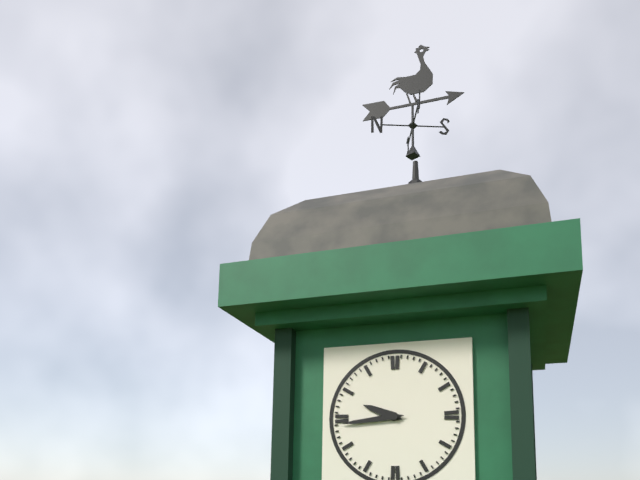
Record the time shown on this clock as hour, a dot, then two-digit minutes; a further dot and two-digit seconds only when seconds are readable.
9.44
